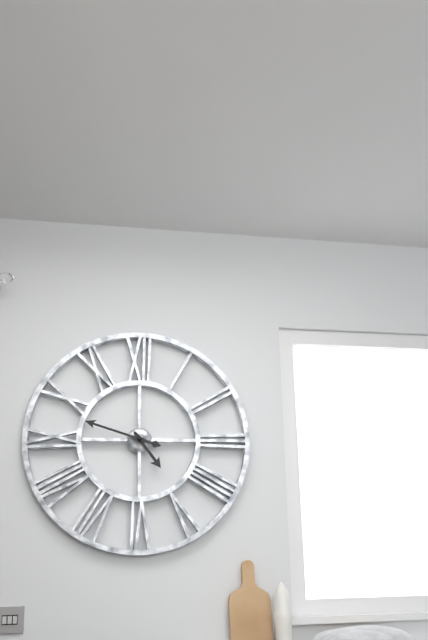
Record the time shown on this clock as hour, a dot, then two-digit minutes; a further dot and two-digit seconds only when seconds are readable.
4.48
